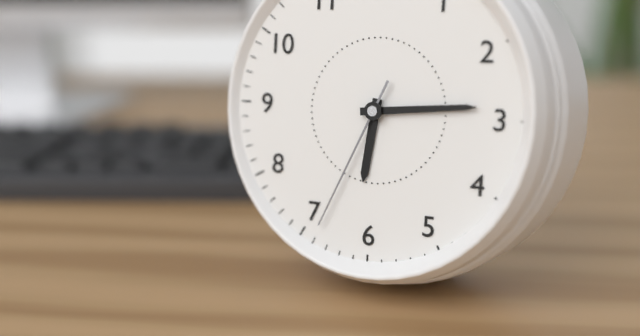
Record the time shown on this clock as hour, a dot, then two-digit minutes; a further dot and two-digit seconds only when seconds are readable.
6.14.34
